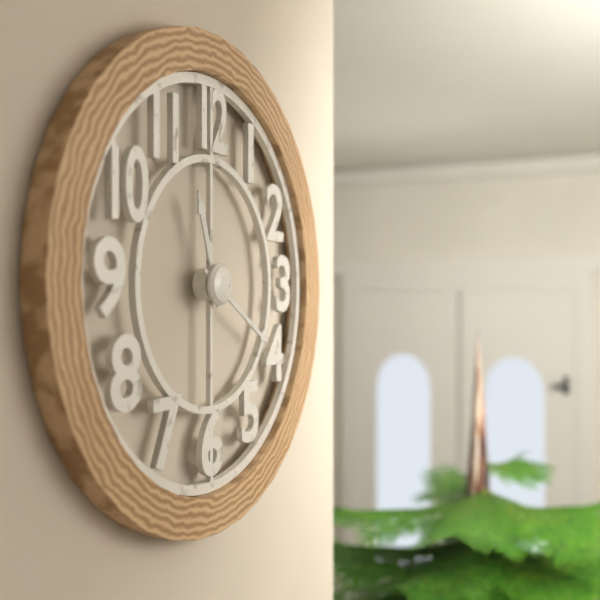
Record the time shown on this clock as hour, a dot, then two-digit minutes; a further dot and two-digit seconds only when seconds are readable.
11.20
